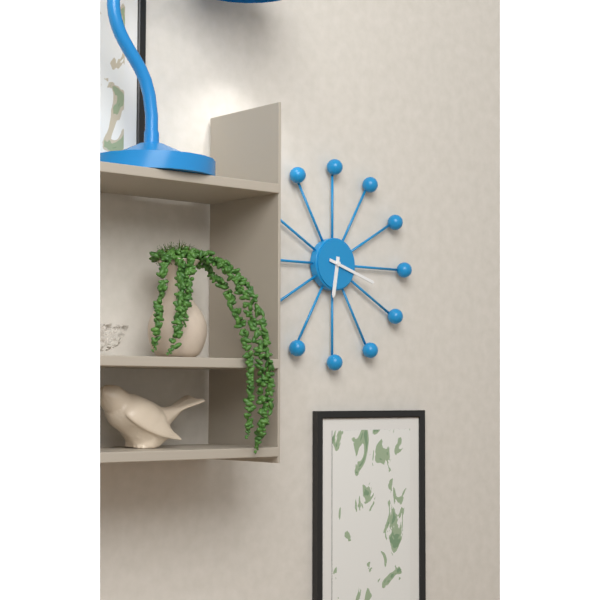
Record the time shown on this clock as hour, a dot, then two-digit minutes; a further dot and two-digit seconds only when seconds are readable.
6.18
